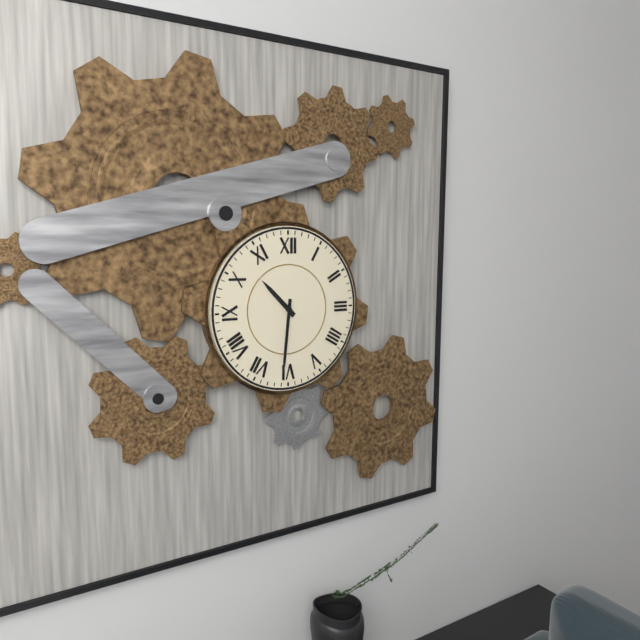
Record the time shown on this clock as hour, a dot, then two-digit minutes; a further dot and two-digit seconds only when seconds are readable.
10.31
